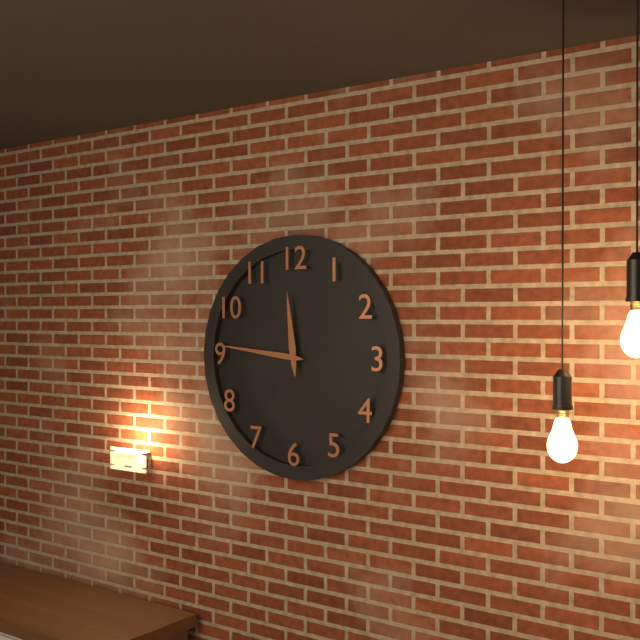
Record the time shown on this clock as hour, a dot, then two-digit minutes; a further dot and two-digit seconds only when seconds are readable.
11.46
